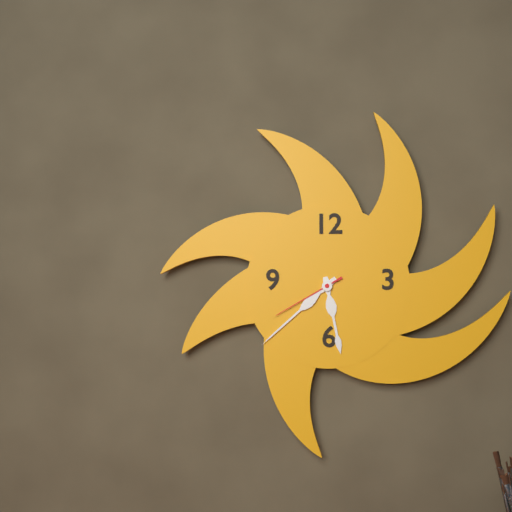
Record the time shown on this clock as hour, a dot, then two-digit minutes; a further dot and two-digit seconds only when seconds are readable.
5.38.40
